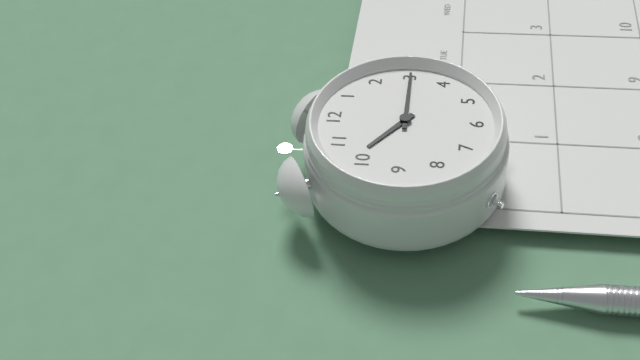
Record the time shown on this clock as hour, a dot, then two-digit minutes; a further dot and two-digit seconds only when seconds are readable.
10.15
